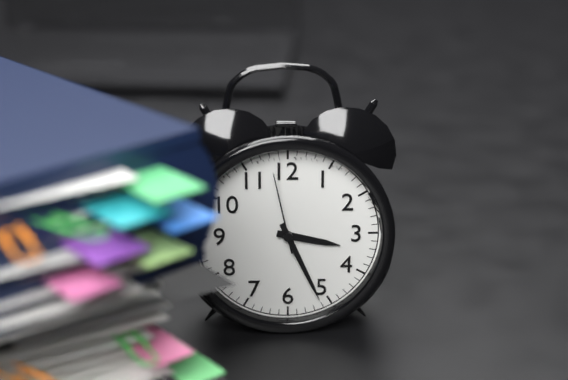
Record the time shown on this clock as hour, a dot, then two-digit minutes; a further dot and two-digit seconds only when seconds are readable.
3.26.58
